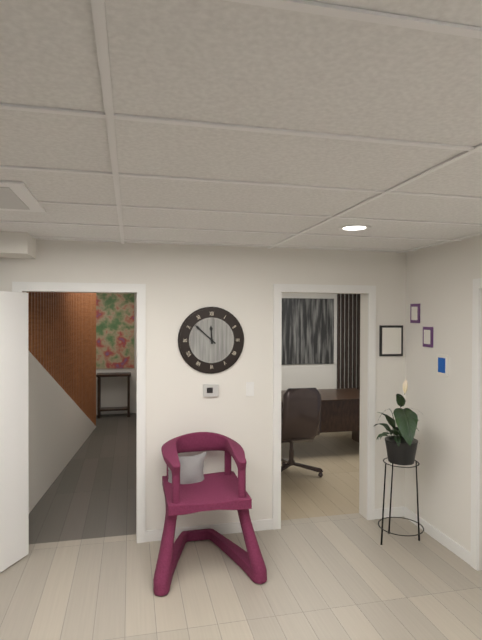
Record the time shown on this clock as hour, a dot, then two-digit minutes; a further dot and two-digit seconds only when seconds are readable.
11.52
